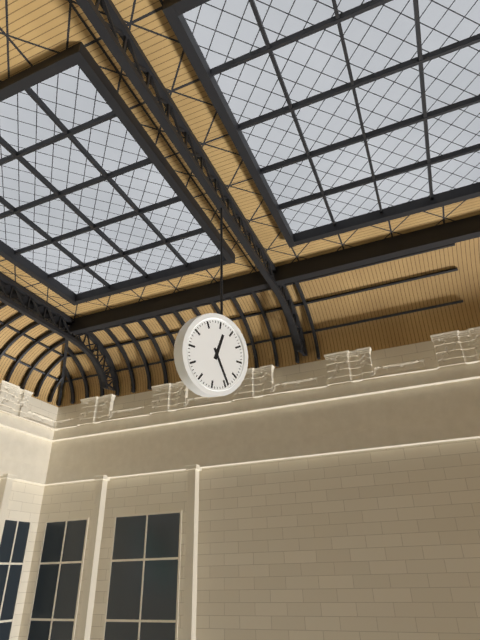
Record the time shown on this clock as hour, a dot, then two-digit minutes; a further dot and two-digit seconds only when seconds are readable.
12.24
